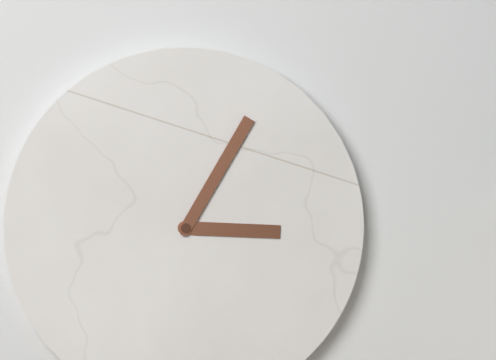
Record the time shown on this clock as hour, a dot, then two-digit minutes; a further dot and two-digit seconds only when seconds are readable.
3.05
